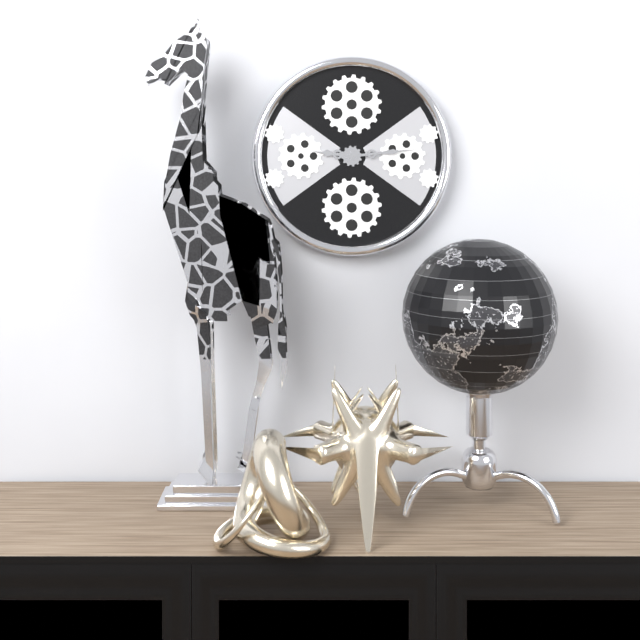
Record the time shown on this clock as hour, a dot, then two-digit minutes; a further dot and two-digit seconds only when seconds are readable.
9.14
